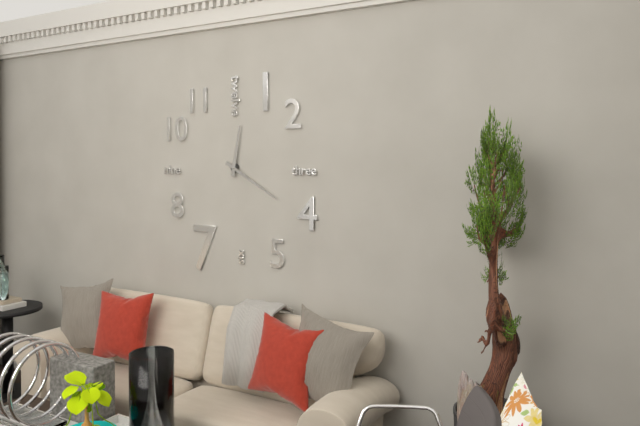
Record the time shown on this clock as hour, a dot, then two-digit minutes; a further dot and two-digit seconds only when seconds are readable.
12.20
